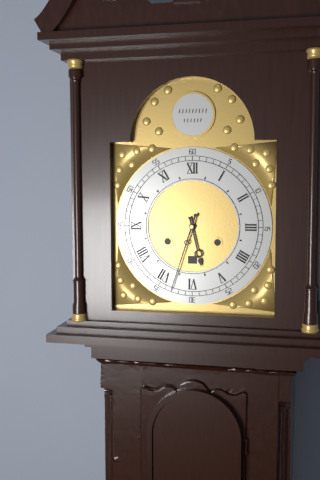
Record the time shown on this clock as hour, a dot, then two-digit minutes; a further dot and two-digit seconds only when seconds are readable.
5.33
